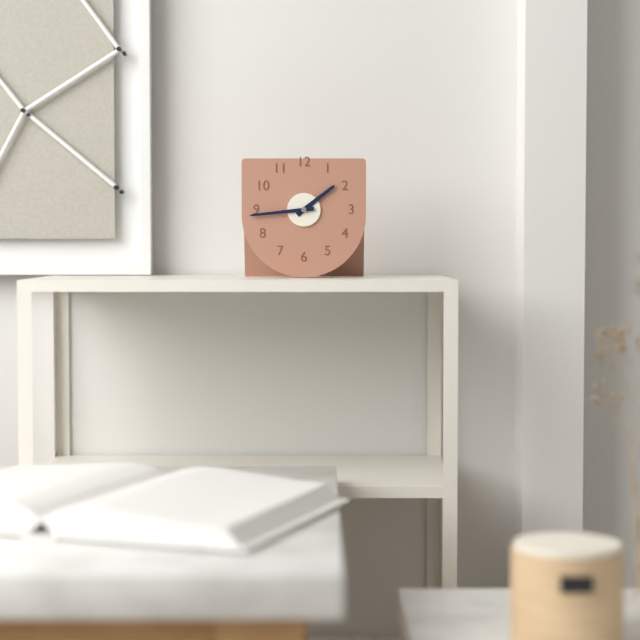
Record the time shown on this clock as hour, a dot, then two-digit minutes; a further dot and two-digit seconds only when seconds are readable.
1.44
